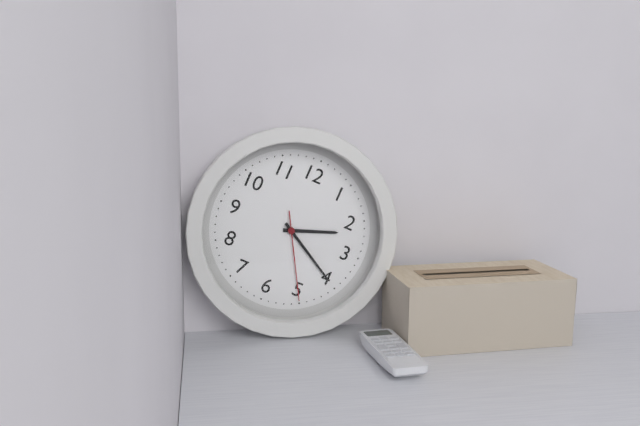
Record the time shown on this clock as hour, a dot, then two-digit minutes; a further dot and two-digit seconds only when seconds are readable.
2.20.25
